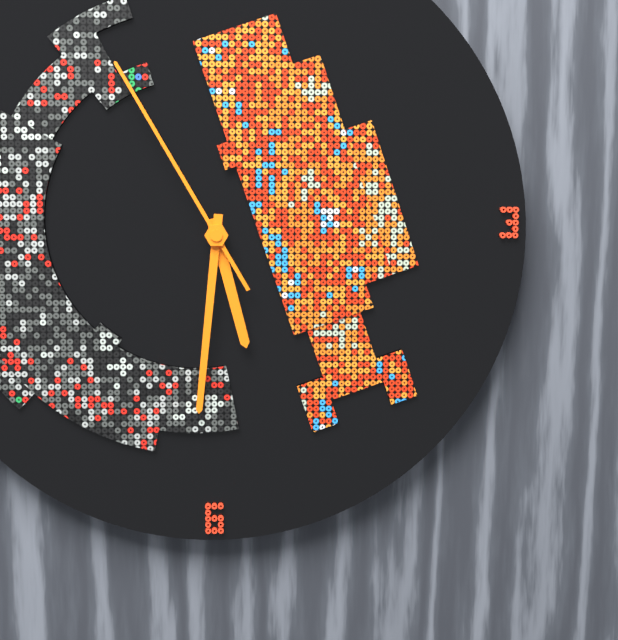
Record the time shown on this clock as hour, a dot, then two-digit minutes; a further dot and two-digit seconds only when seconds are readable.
5.31.55
